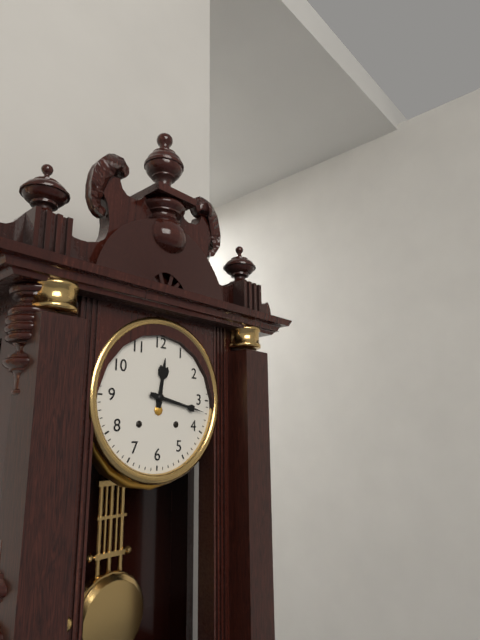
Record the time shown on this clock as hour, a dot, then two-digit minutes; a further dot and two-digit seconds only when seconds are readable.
12.17
